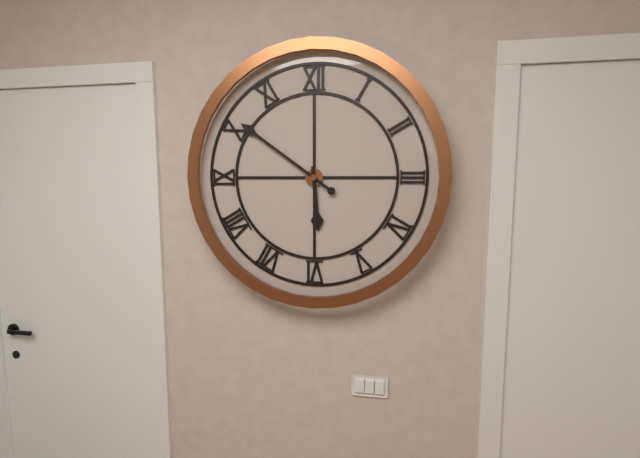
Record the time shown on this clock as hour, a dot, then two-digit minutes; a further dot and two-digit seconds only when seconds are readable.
5.51
